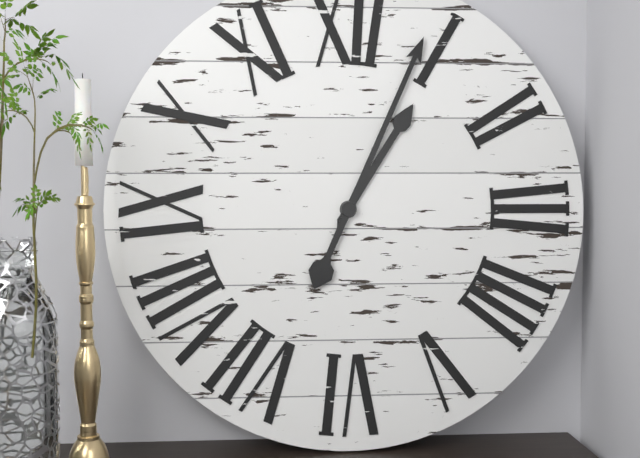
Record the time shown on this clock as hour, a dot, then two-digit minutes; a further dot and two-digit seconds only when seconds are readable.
1.04
